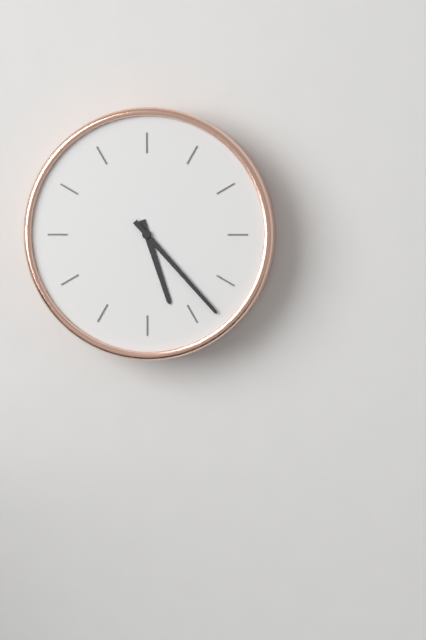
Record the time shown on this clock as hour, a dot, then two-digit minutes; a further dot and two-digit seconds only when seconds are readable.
5.23
